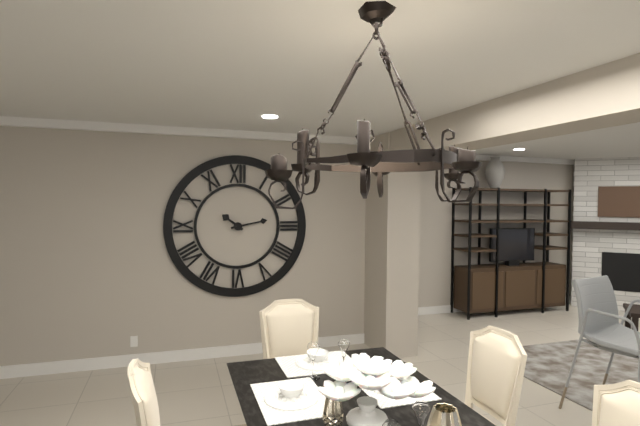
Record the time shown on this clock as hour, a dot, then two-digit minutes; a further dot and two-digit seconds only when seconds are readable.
10.13
